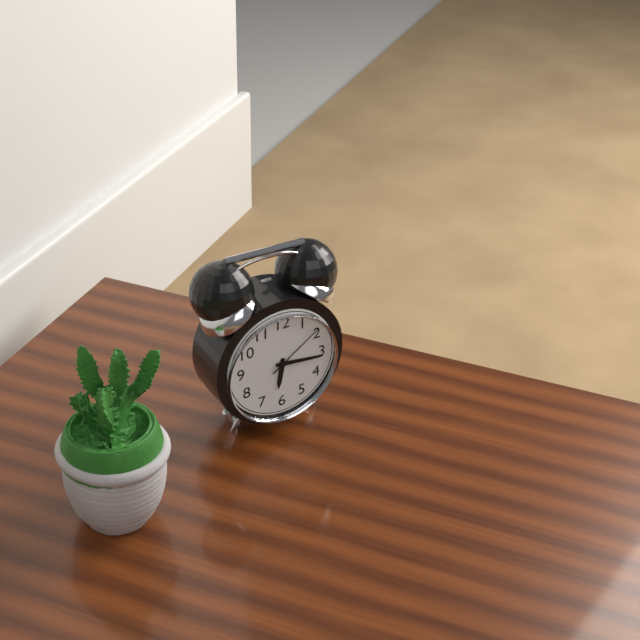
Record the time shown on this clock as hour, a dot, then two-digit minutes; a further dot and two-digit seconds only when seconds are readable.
6.16.09
